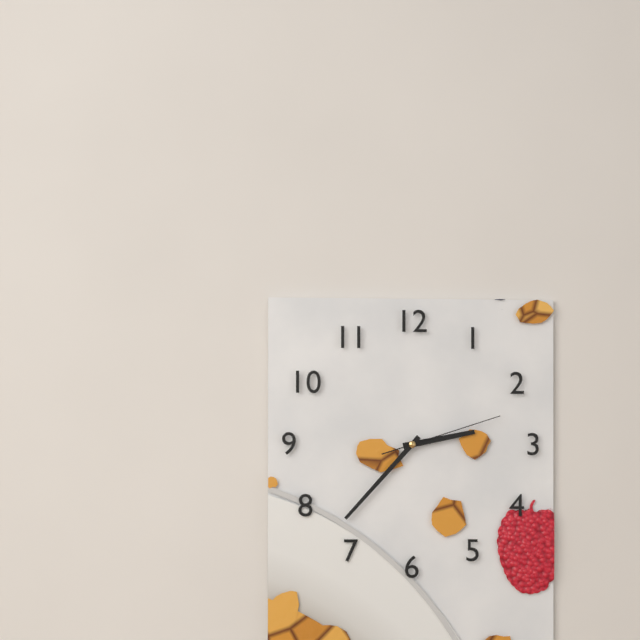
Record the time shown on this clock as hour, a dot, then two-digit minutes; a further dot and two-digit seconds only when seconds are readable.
2.37.12
